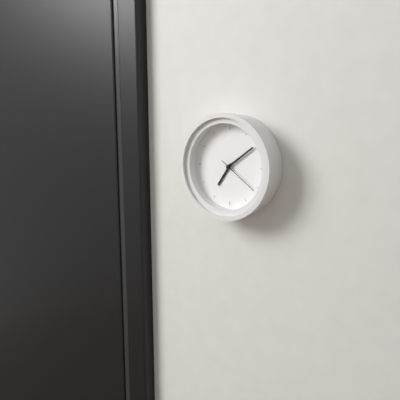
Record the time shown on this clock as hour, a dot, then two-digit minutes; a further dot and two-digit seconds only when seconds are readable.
7.09
